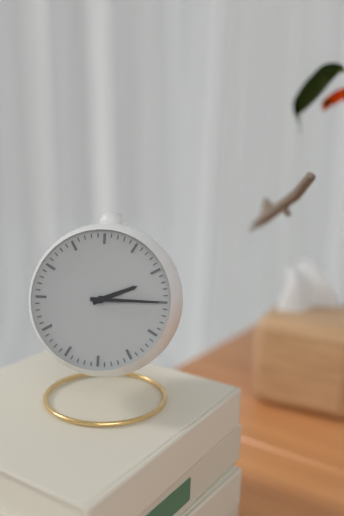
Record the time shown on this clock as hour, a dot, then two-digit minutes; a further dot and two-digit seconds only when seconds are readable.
2.15
